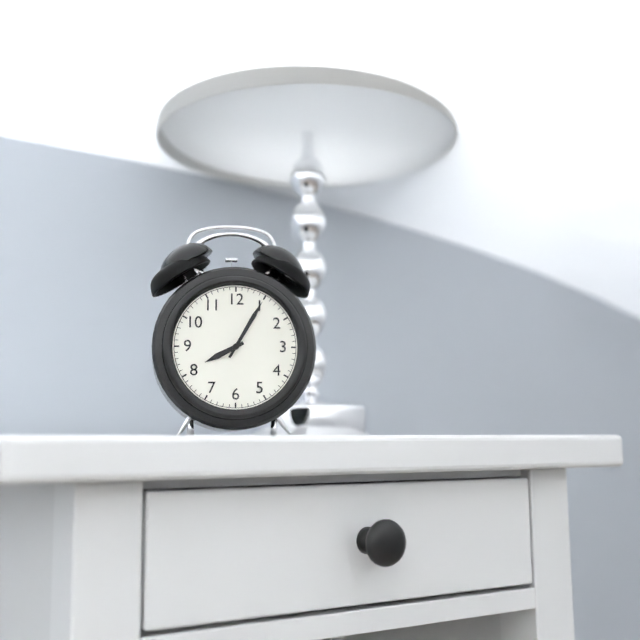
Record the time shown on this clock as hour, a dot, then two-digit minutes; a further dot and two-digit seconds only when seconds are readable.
8.05
